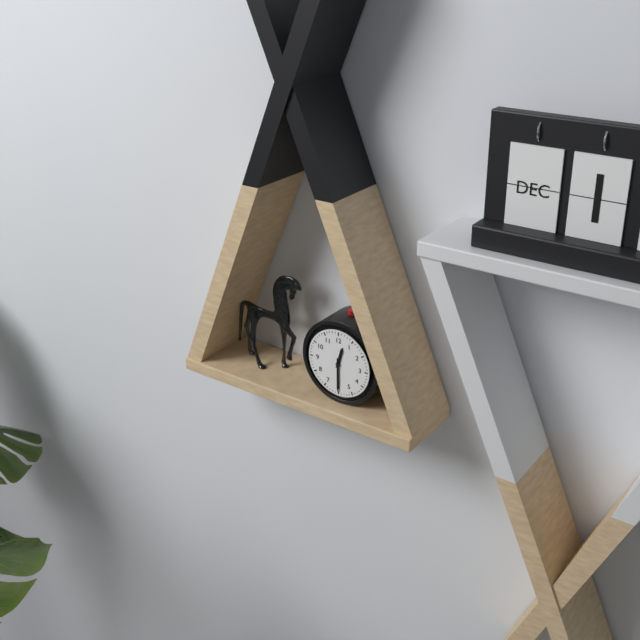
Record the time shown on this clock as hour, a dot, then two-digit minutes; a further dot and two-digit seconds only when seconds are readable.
12.30
